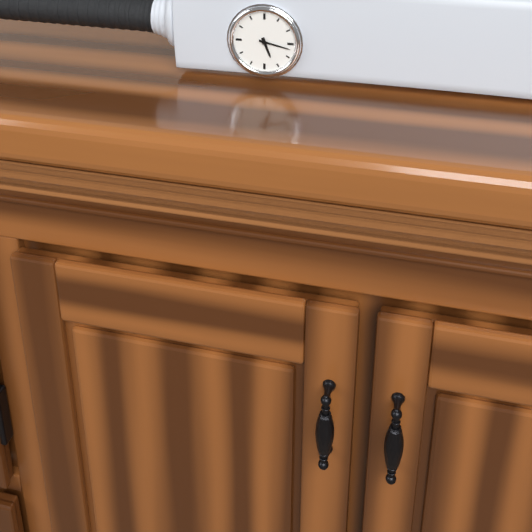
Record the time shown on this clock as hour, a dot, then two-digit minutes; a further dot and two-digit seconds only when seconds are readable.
5.17
